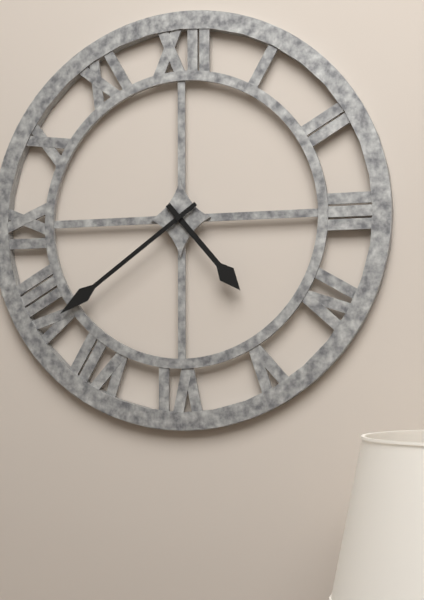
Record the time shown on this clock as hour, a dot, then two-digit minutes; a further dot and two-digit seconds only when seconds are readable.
4.39
